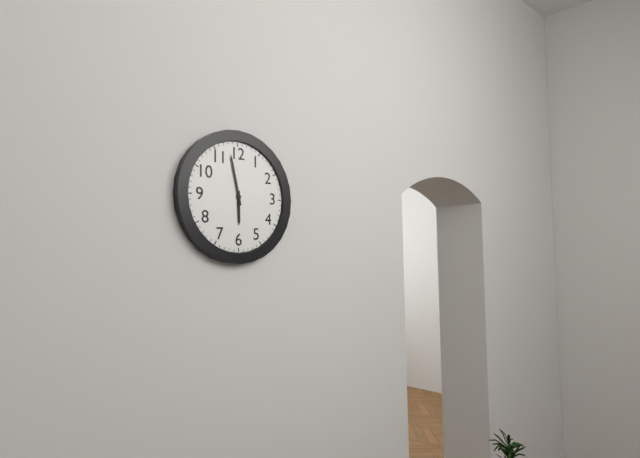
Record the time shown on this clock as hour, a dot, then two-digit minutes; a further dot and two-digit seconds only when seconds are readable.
5.58
